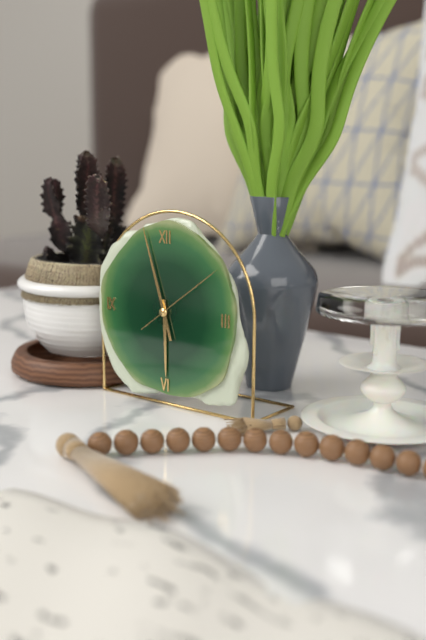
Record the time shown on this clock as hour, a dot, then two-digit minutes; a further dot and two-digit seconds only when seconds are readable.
5.57.09
